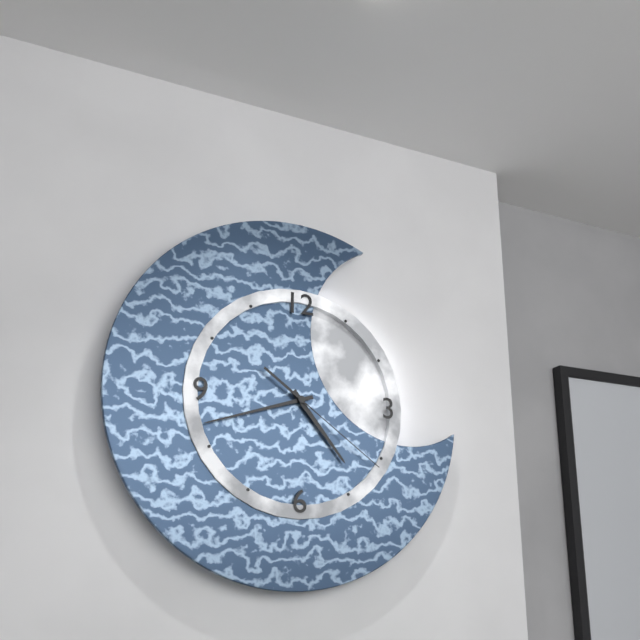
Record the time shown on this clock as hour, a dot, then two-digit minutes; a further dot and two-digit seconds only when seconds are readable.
4.42.21
